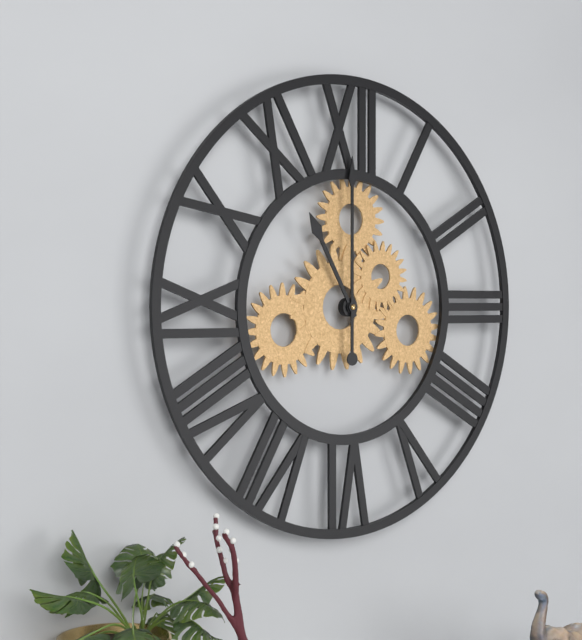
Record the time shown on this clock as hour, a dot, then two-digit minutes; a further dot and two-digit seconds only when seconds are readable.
11.00
